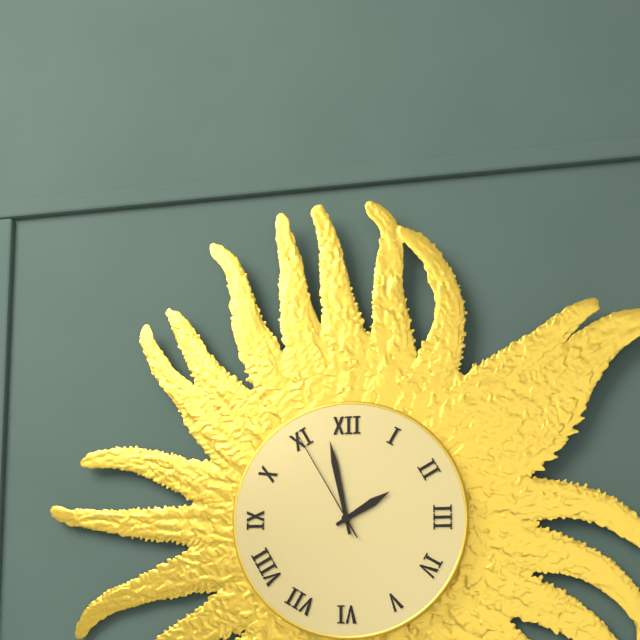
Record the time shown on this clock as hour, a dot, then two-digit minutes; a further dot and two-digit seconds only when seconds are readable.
1.58.55
